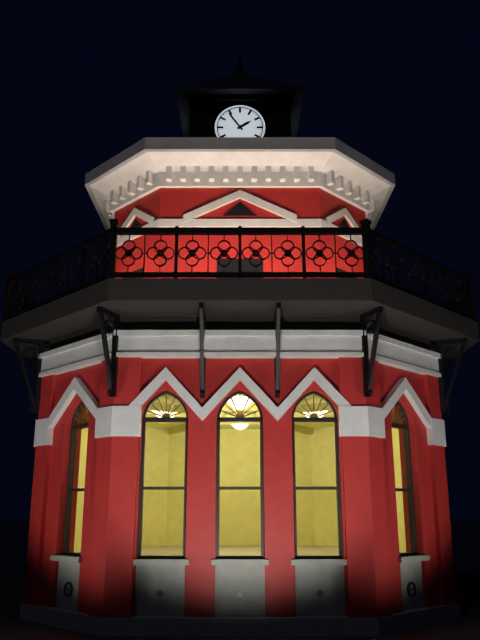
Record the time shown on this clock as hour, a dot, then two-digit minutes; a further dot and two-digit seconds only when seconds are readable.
1.54
